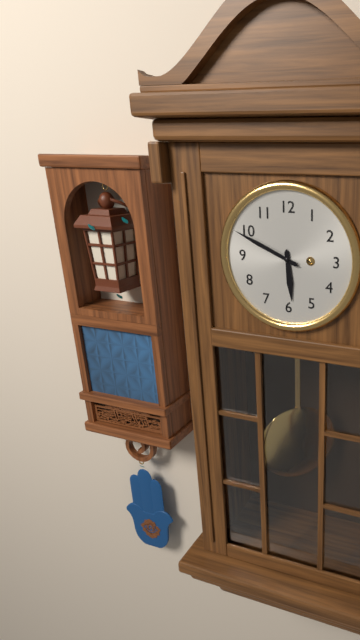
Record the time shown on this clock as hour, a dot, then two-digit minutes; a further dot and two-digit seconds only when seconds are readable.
5.49
